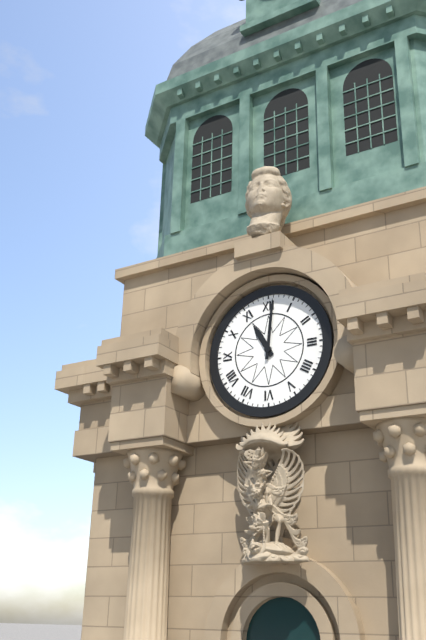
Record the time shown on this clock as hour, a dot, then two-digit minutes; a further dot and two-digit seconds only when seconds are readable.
11.01
